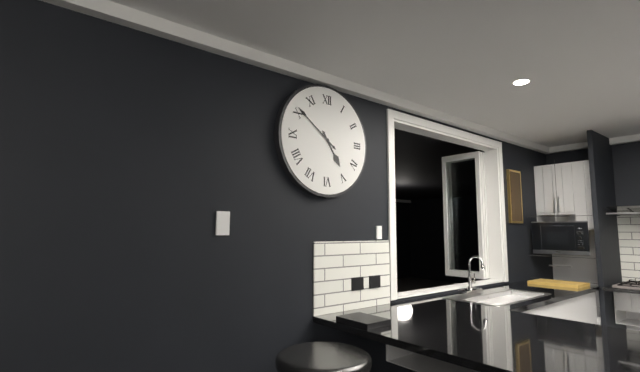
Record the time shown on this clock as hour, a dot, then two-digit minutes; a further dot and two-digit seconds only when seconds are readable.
4.51
